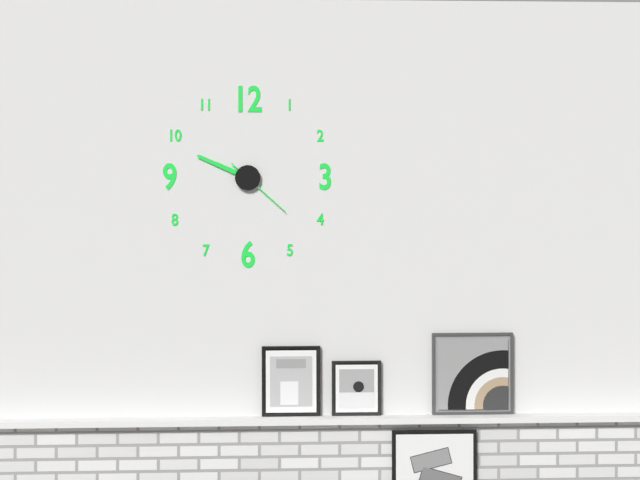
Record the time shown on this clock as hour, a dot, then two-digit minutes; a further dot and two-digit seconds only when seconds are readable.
9.49.22
